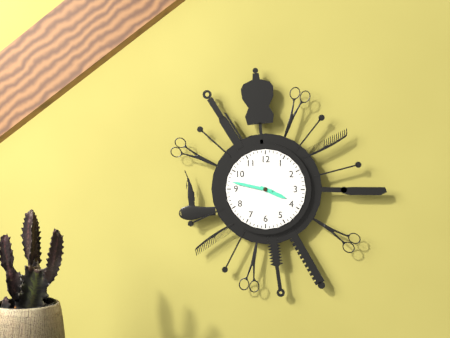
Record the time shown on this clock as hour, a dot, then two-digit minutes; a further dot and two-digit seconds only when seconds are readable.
3.47
